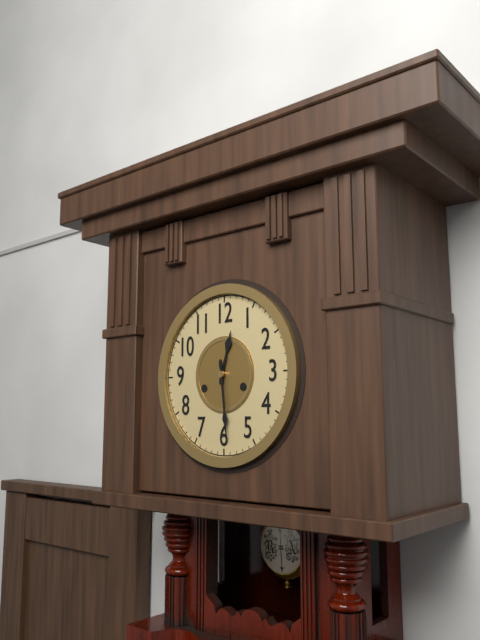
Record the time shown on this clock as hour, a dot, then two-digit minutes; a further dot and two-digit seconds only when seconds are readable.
12.29
